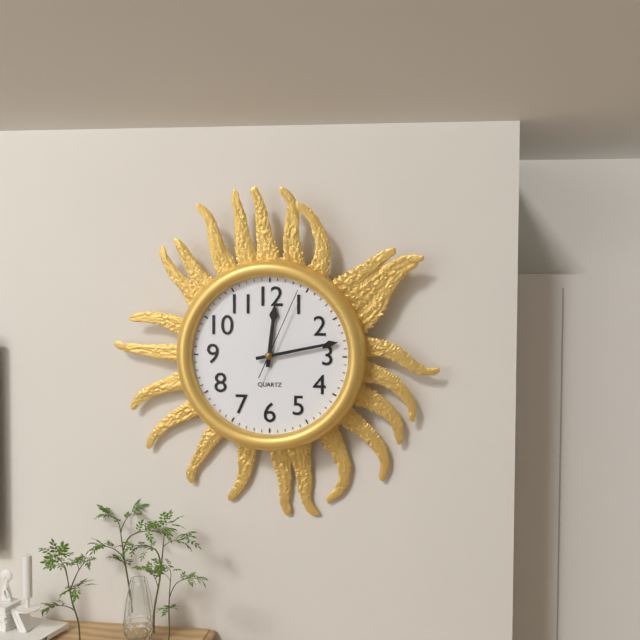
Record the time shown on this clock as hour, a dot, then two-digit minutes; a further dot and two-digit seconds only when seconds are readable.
12.13.04
